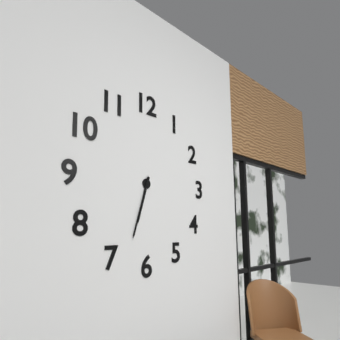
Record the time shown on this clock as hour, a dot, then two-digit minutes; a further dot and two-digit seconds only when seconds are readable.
6.33
